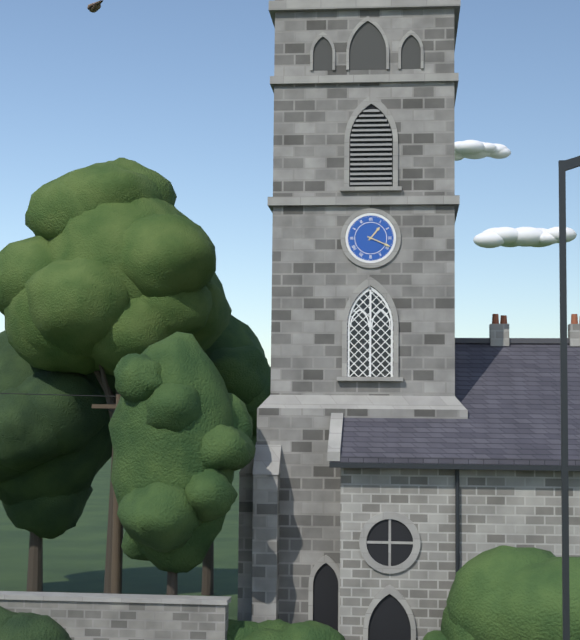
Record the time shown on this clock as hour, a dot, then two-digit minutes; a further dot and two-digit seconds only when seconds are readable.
1.19
